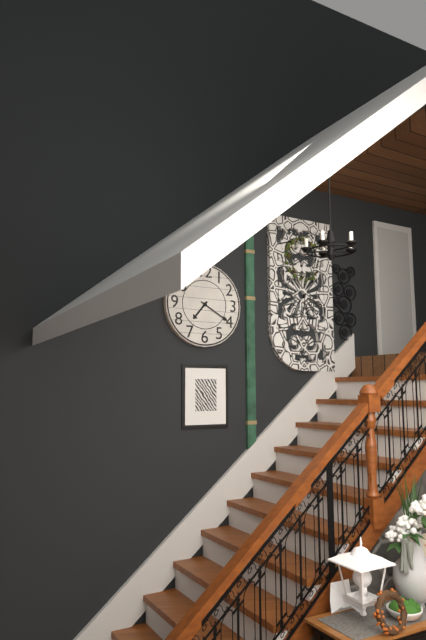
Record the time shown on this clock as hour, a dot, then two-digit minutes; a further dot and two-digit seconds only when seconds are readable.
7.20
